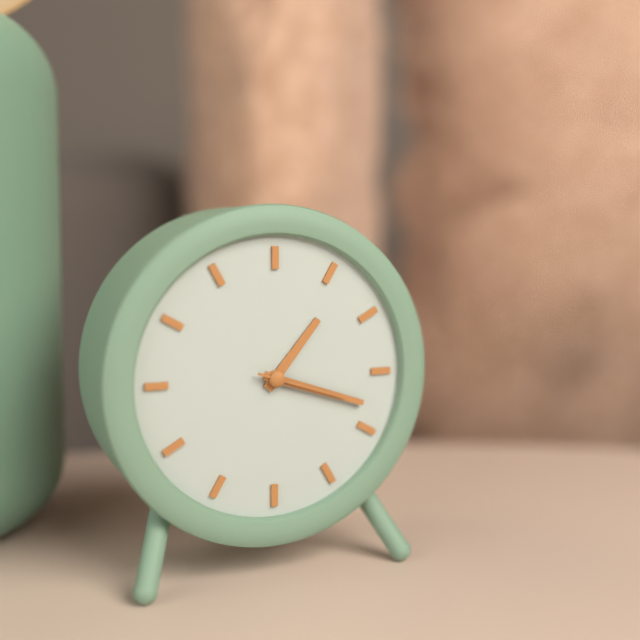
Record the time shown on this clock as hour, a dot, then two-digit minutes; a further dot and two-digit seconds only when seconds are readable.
1.18.18
